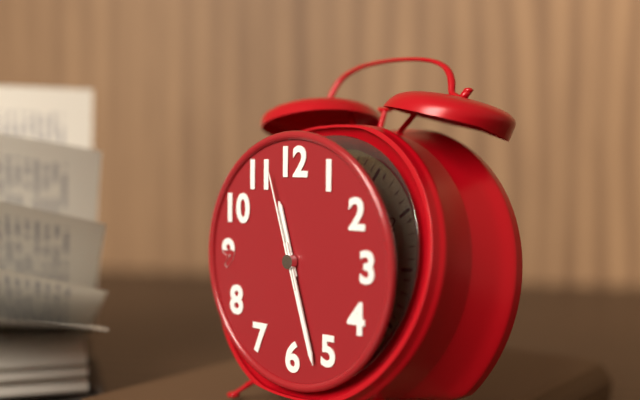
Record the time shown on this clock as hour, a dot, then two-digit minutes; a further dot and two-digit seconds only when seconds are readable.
11.27.57
